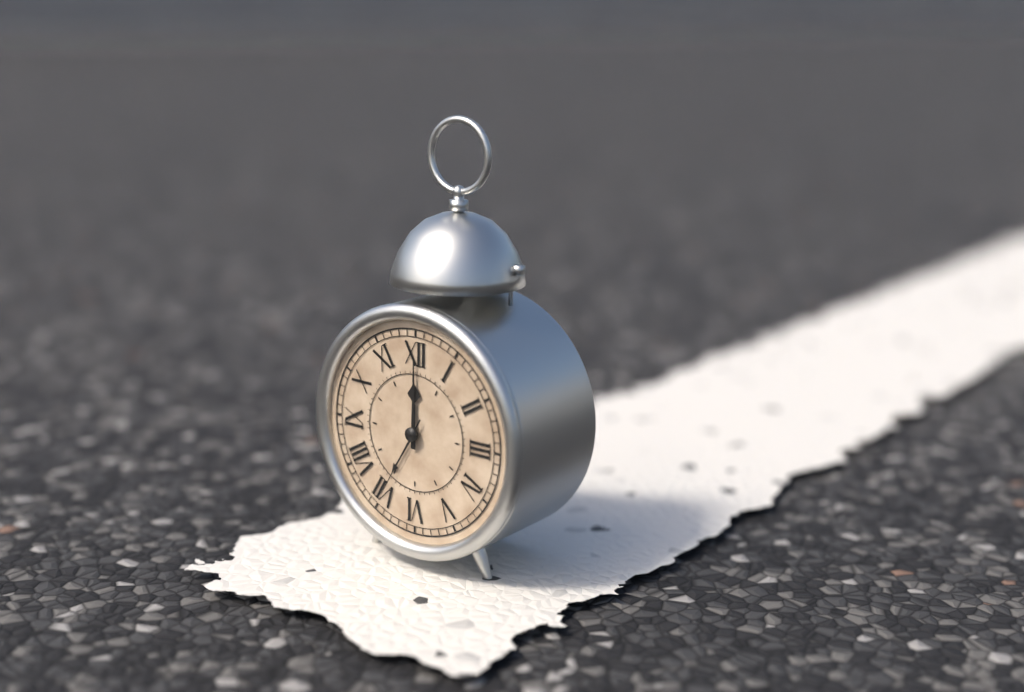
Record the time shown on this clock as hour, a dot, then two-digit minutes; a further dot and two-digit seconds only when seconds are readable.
12.00.35
